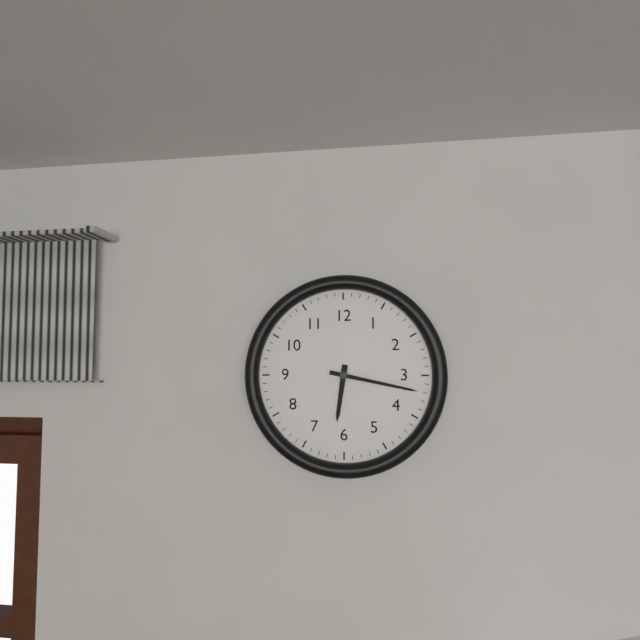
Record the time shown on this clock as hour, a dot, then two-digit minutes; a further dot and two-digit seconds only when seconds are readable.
6.17
